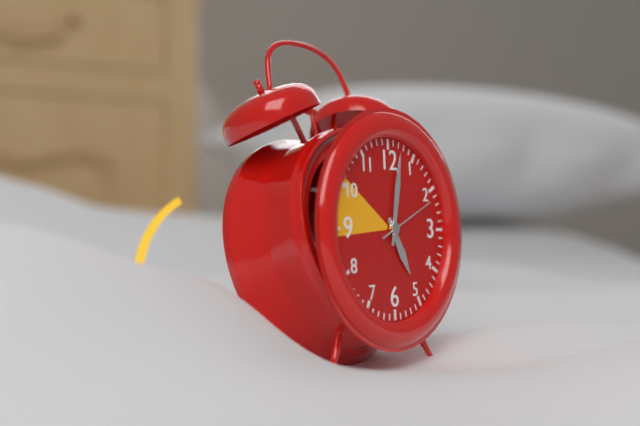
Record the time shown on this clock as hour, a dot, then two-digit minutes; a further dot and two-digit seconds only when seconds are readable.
5.02.11
